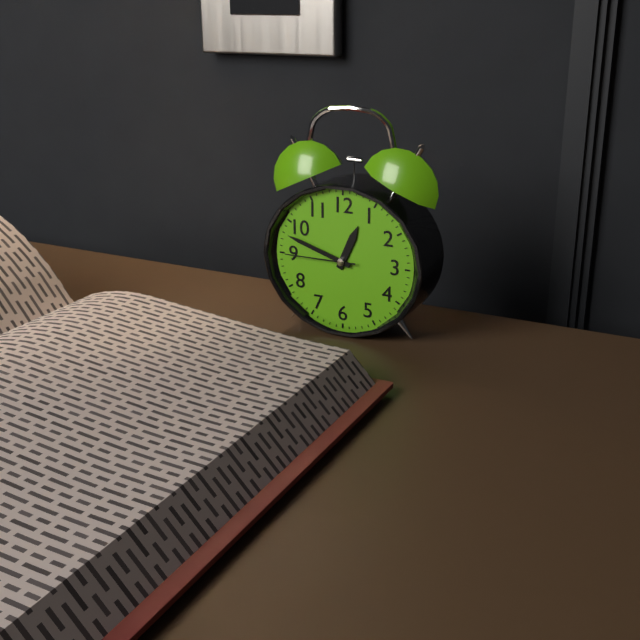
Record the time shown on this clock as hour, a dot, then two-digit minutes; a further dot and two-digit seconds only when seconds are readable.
12.48.45
